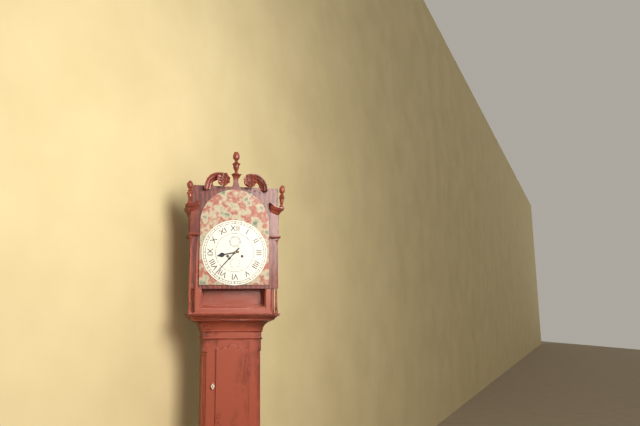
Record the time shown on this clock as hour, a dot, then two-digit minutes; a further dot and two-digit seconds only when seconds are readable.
8.37
